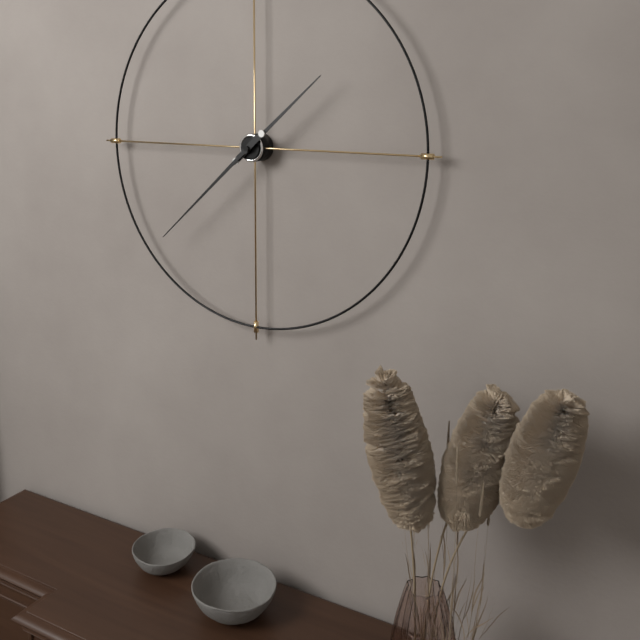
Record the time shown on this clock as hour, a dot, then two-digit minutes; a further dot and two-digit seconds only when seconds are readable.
1.38
